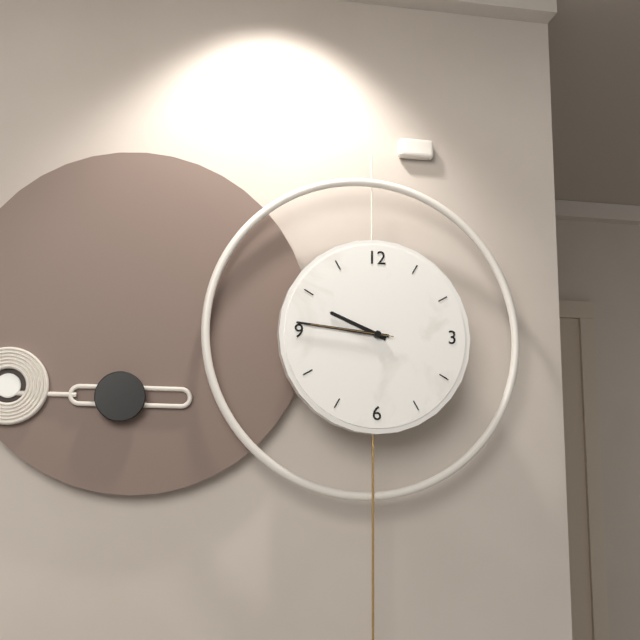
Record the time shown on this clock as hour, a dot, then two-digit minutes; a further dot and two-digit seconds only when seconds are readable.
9.46.46
